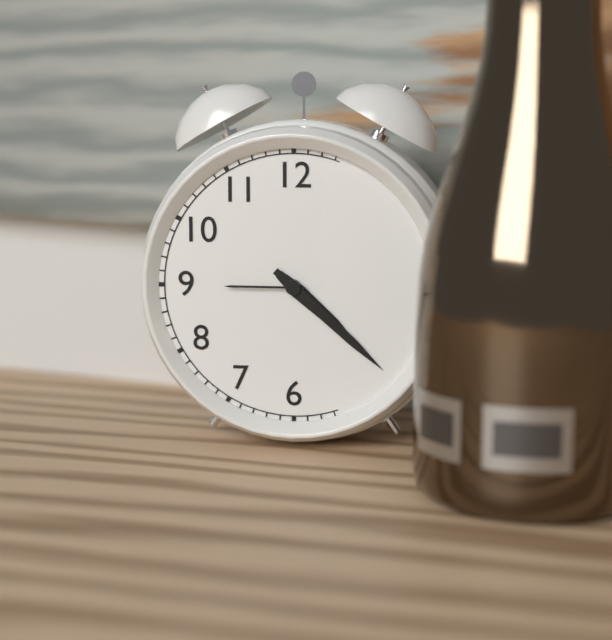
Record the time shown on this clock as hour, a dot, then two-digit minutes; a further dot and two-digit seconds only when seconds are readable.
4.22
